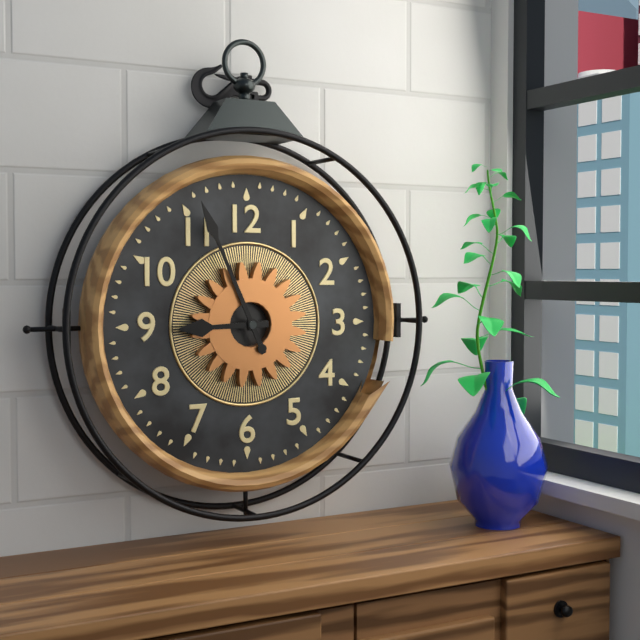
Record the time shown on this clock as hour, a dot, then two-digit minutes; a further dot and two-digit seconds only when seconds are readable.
8.56
